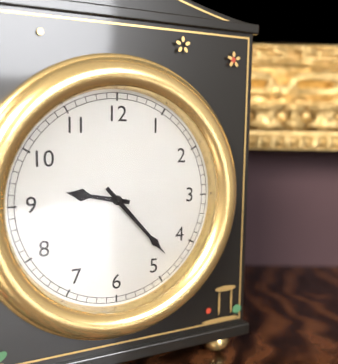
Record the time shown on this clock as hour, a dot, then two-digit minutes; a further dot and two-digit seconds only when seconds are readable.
9.23
